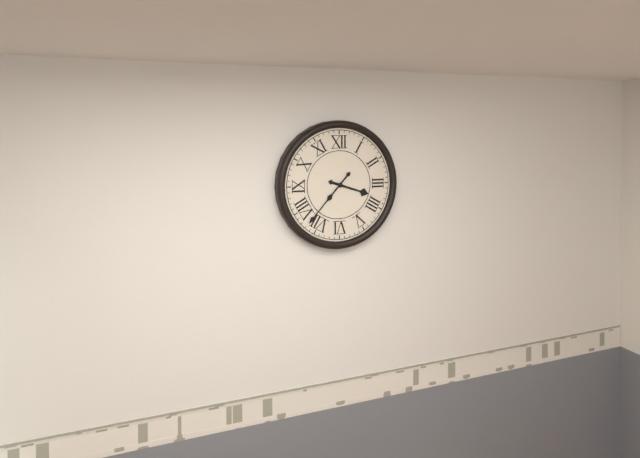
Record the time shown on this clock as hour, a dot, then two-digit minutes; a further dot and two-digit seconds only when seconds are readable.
3.37
